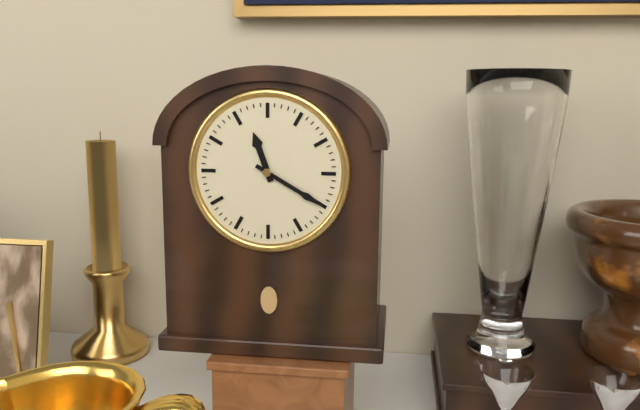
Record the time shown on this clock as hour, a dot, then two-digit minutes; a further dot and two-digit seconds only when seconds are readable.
11.20
